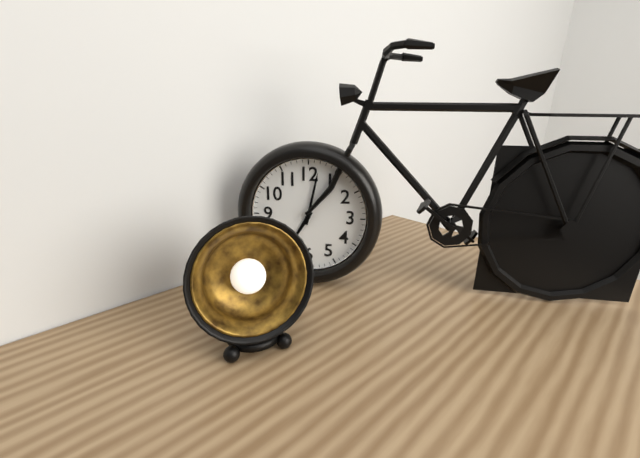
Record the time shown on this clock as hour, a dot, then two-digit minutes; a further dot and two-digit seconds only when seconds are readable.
7.02
